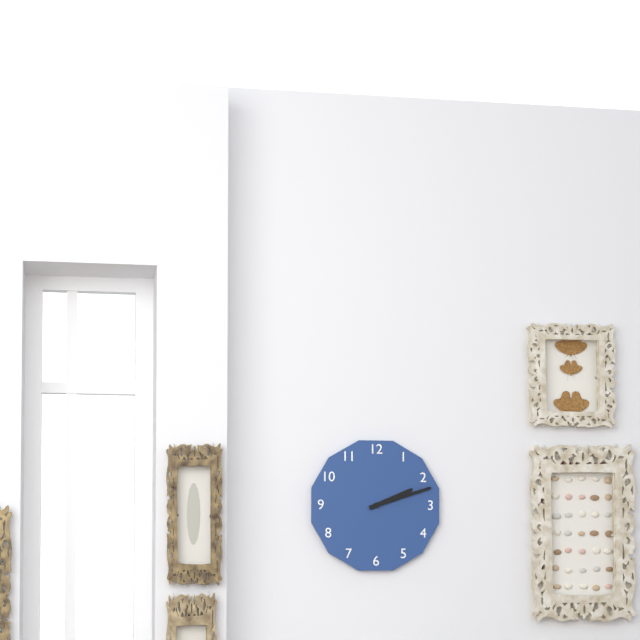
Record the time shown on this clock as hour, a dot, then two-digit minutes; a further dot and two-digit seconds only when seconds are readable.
2.12
